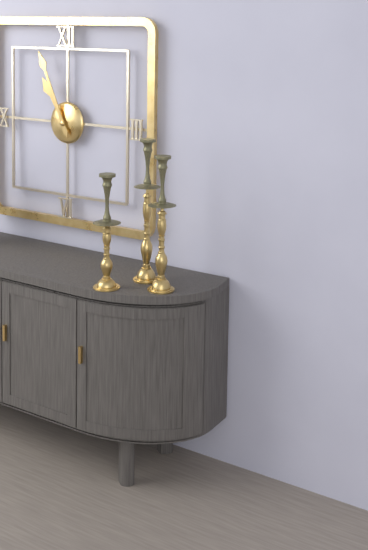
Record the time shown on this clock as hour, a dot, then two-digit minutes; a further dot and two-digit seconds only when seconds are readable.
10.56
